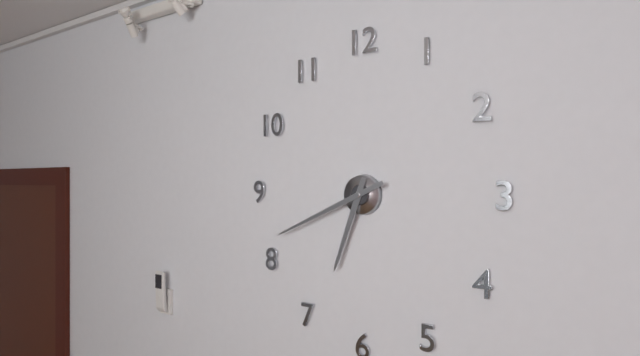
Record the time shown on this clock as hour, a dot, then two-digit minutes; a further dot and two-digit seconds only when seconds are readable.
6.41
